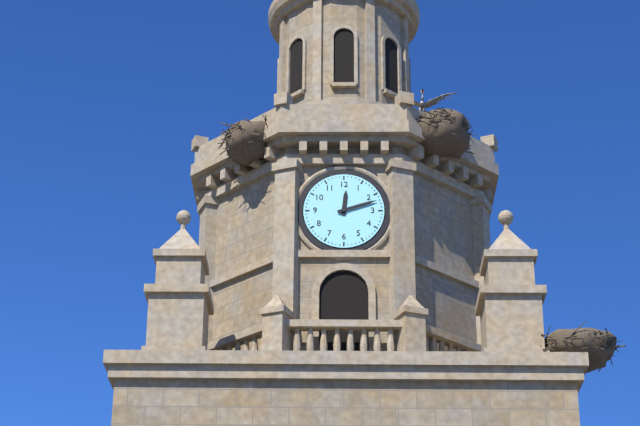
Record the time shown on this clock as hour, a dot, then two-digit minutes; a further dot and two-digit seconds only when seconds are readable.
12.12
